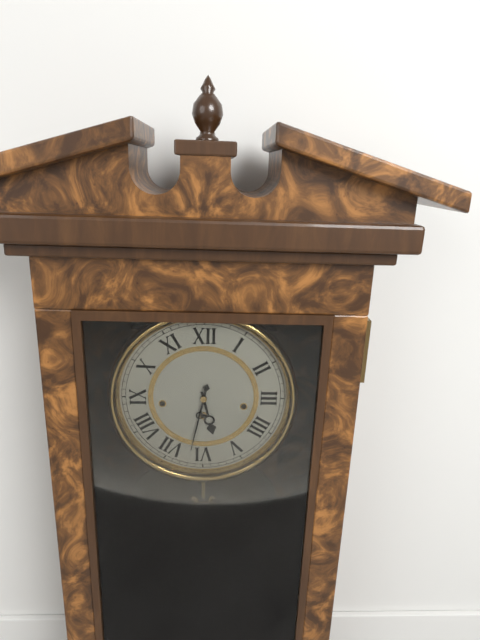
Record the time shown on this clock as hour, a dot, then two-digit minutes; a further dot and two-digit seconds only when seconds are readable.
5.32
